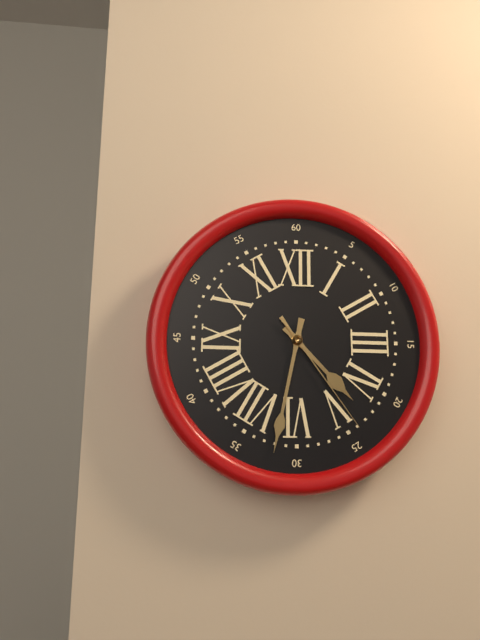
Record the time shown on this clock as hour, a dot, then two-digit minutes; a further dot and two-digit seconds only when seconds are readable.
4.32.24
